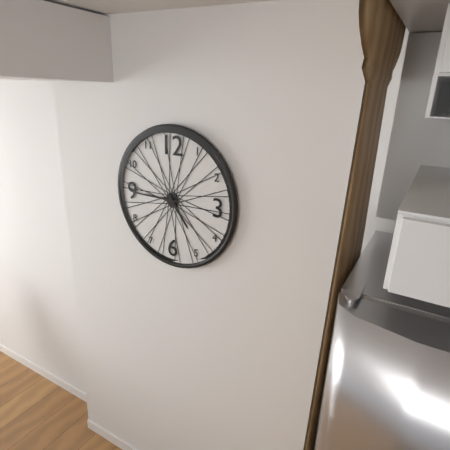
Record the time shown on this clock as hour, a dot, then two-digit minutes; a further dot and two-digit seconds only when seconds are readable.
4.45
